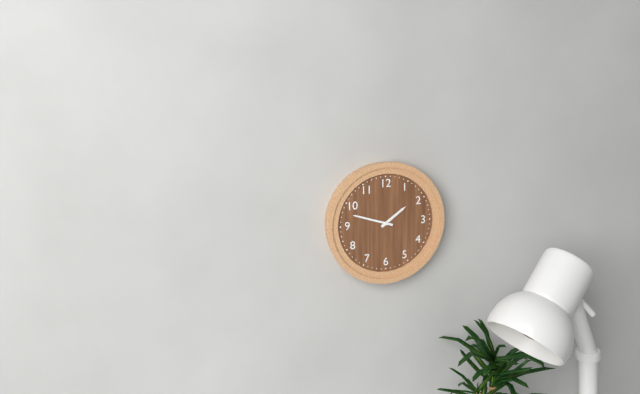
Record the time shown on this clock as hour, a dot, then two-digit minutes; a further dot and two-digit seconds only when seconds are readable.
1.48
